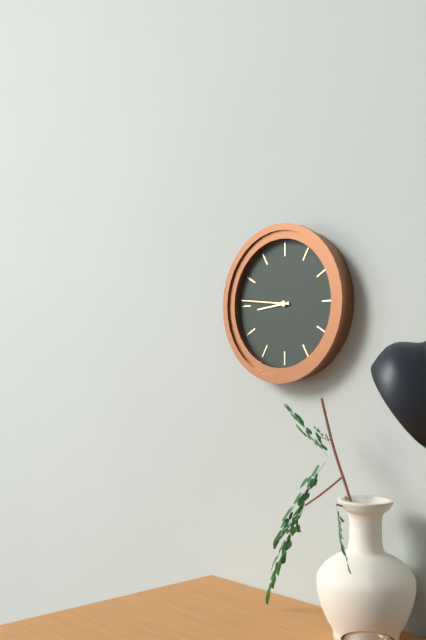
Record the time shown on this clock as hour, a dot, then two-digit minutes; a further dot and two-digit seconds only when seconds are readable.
8.46
